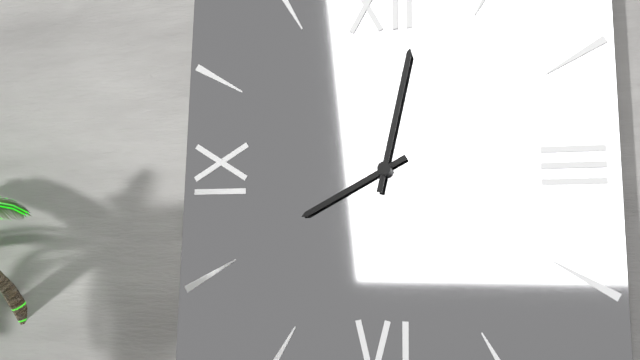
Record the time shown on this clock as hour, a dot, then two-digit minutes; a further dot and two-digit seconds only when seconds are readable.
8.02
